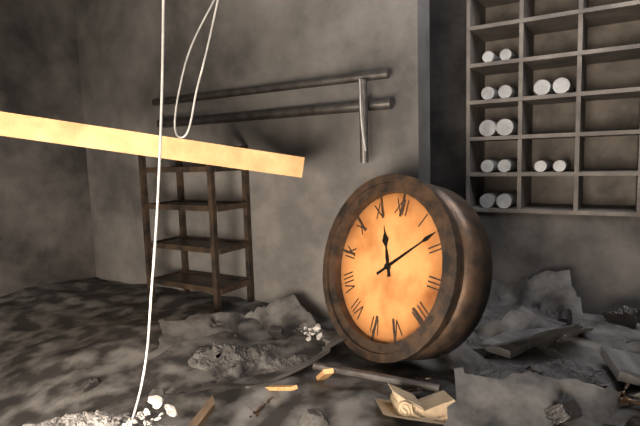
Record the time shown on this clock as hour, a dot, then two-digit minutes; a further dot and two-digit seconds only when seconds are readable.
11.08
